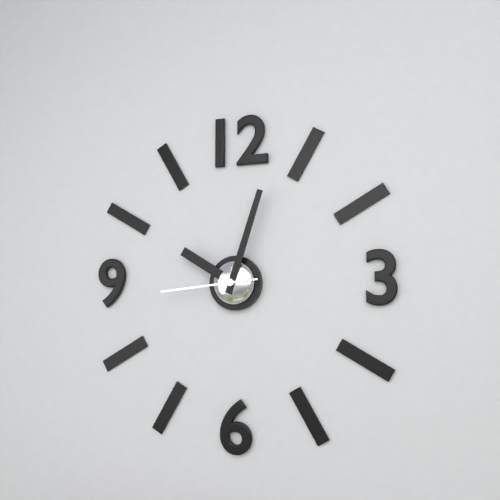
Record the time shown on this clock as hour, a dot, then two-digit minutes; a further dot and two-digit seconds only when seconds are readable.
10.03.44
